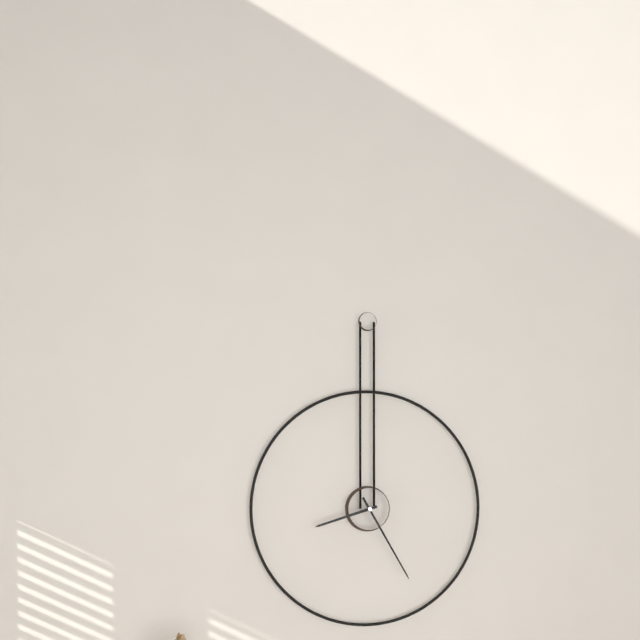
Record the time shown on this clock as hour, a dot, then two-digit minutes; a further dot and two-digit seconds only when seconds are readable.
8.25
